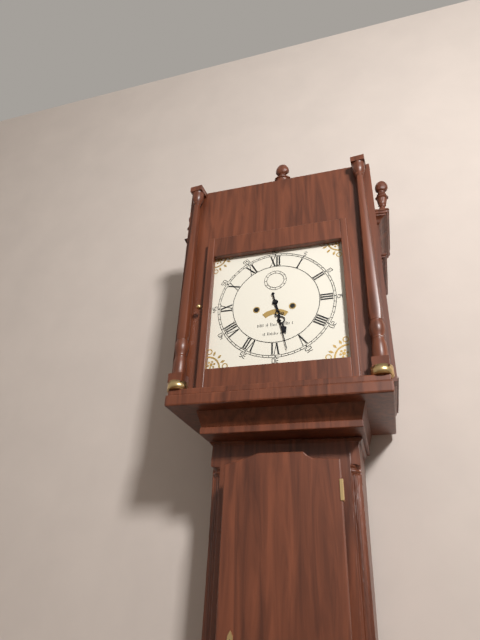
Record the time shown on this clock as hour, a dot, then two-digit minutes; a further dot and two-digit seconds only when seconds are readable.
5.28
